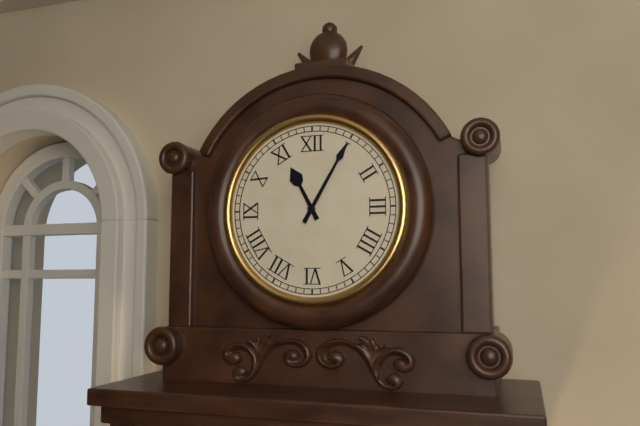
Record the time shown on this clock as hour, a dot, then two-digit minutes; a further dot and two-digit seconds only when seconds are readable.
11.05
